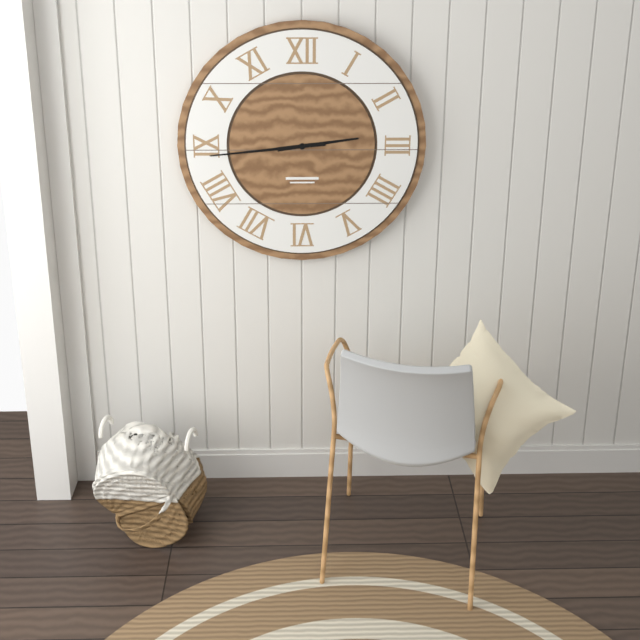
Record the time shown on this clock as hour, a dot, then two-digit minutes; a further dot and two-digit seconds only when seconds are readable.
2.44
